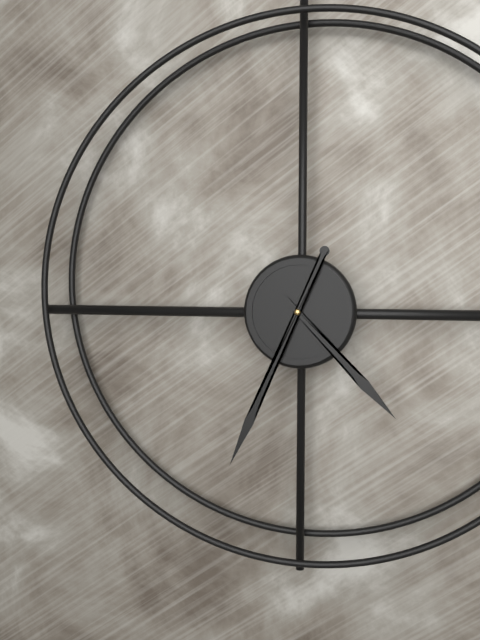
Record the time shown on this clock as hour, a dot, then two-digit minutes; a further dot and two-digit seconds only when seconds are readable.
4.34
